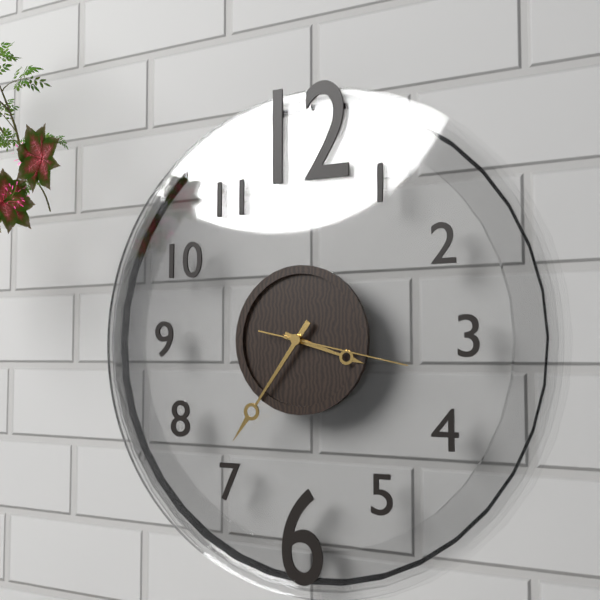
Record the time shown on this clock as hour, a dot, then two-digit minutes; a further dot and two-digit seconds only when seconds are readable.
3.36.17
